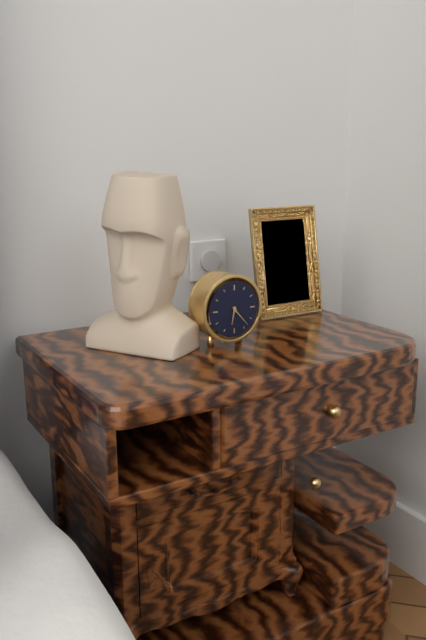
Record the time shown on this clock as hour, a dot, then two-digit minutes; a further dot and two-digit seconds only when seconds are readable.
6.23
